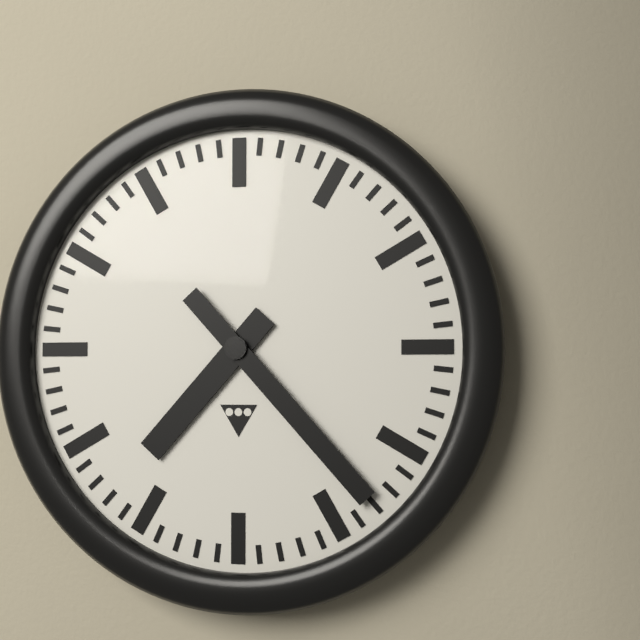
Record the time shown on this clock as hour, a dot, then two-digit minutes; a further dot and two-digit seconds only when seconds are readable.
7.23
